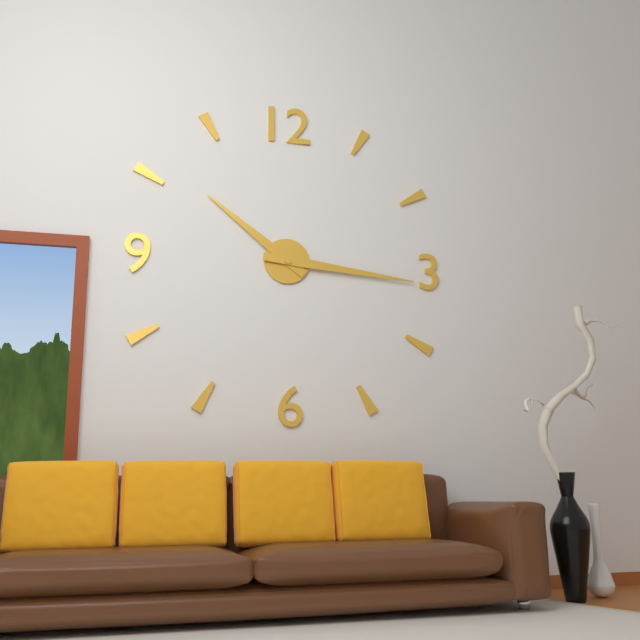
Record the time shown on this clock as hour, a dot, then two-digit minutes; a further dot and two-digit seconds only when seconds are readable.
10.16
